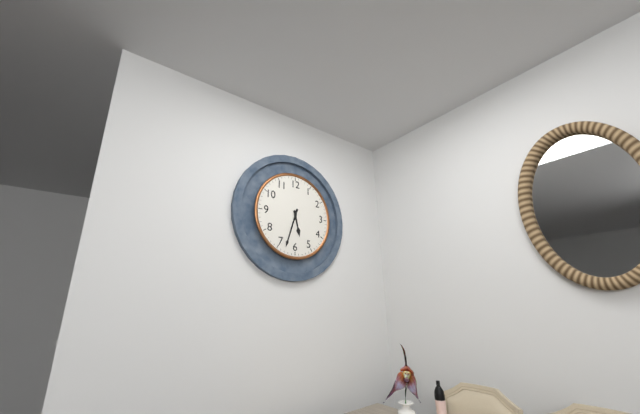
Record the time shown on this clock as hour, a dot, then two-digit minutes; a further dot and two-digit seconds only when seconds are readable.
5.33
